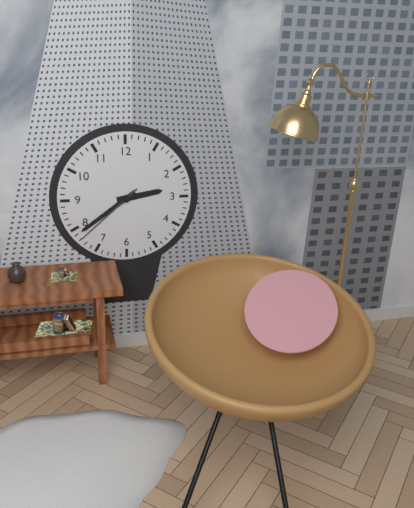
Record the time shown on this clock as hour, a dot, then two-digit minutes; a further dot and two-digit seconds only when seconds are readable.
2.39.38
